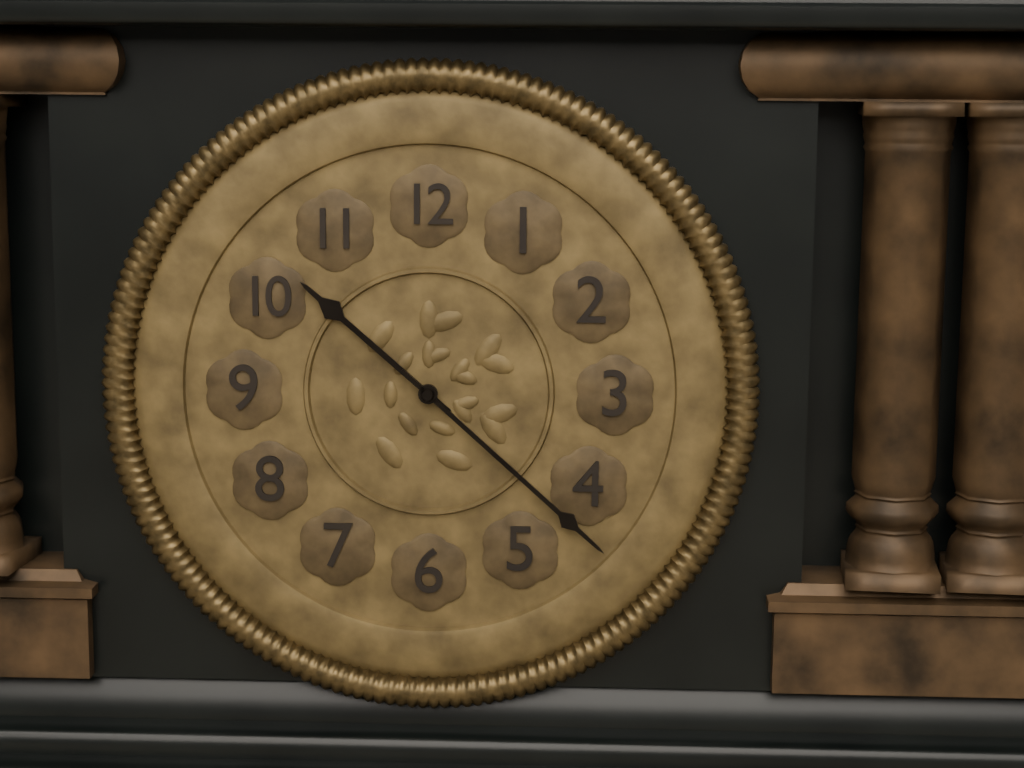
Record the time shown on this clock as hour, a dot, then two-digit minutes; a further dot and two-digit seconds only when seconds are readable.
10.22
